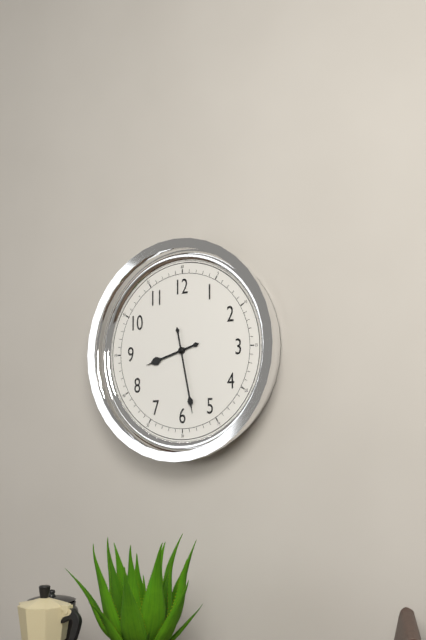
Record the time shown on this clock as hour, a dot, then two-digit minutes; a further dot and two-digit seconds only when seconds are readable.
8.28
